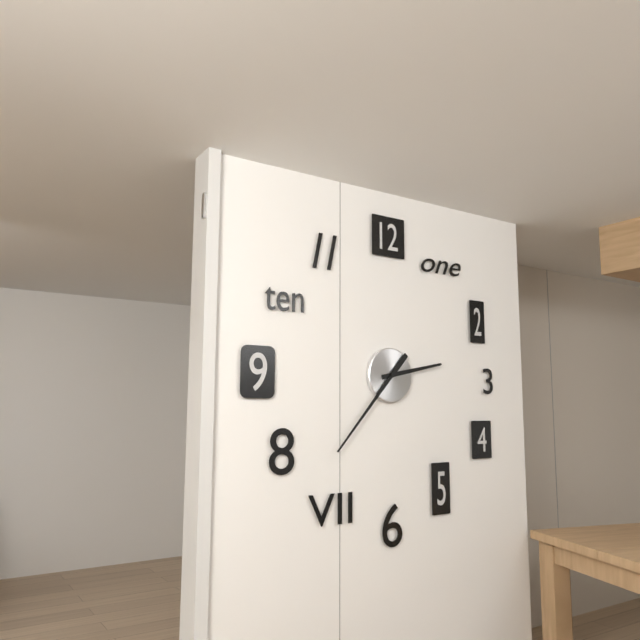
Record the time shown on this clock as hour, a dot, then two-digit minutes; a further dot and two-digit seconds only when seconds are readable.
2.37
